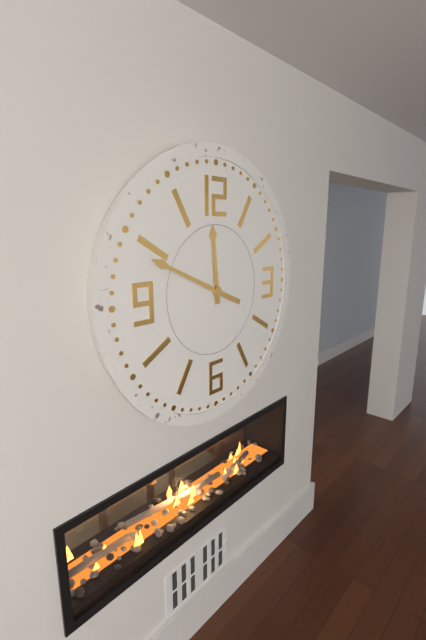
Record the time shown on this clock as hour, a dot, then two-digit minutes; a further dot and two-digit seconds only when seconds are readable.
11.49
